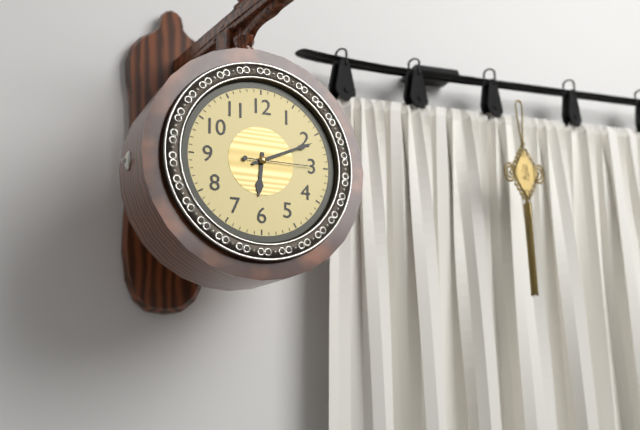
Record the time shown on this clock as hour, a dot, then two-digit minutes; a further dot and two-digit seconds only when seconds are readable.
6.11.15
